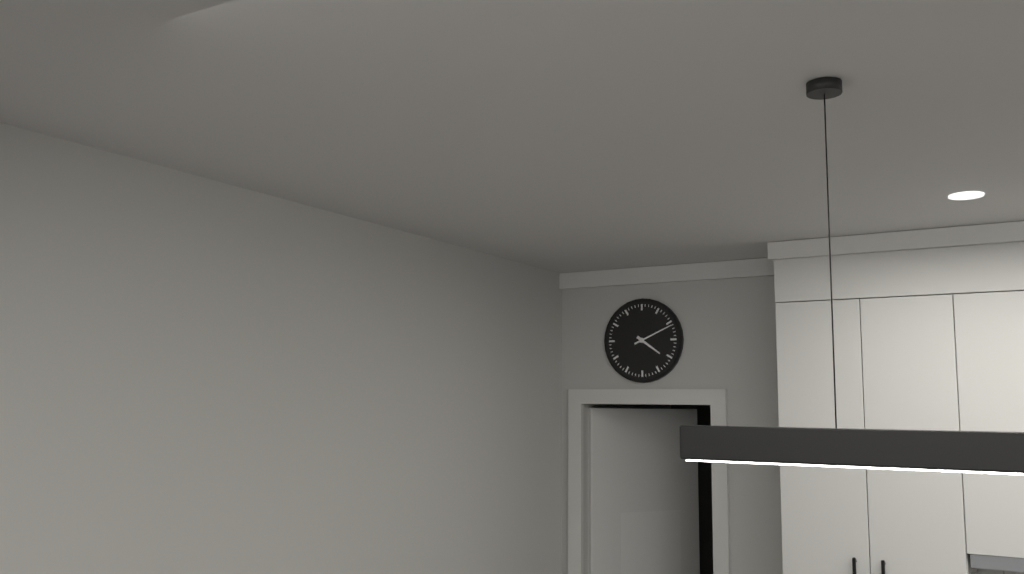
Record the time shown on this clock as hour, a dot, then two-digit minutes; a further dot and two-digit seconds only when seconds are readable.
4.11
